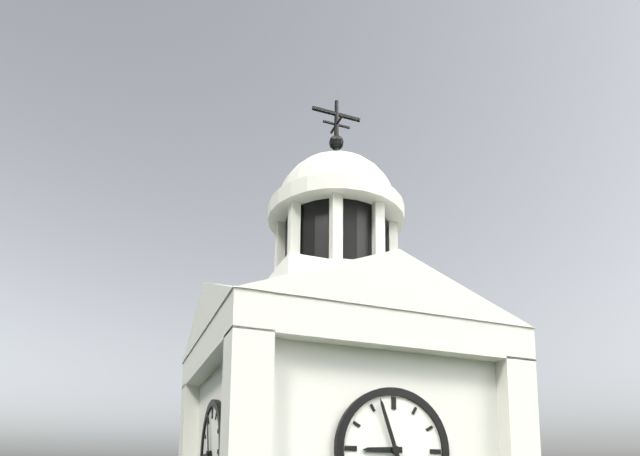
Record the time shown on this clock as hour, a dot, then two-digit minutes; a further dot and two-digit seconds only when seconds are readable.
8.57
